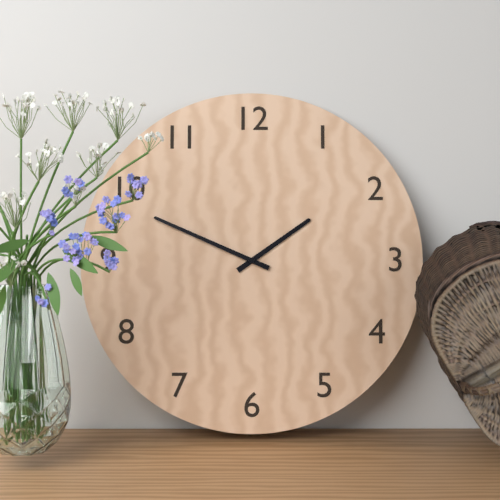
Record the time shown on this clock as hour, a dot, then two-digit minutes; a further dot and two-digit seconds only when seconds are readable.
1.49
